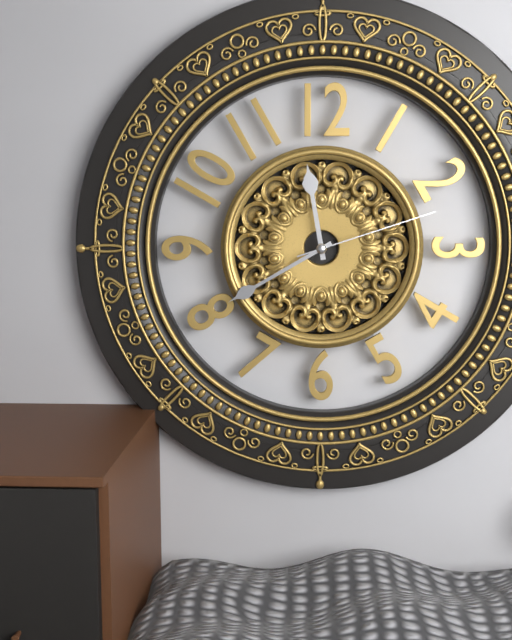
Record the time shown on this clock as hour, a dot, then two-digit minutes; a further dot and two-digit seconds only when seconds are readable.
11.40.12
